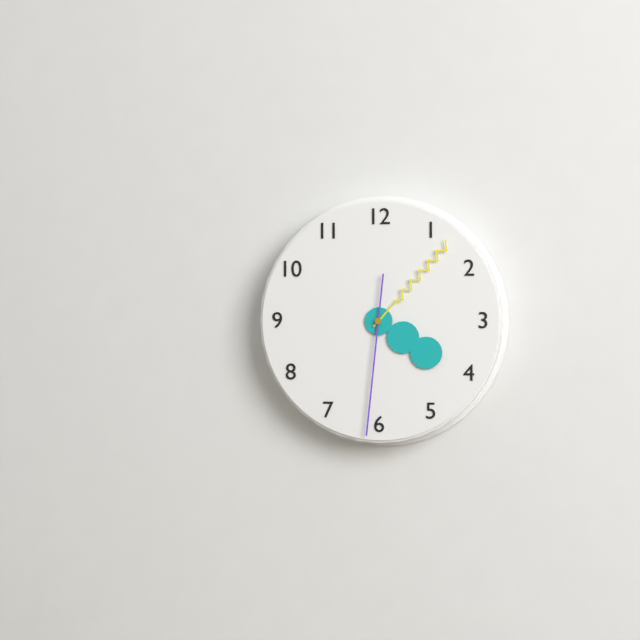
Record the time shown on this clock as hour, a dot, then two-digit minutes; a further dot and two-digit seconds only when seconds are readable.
4.07.31
